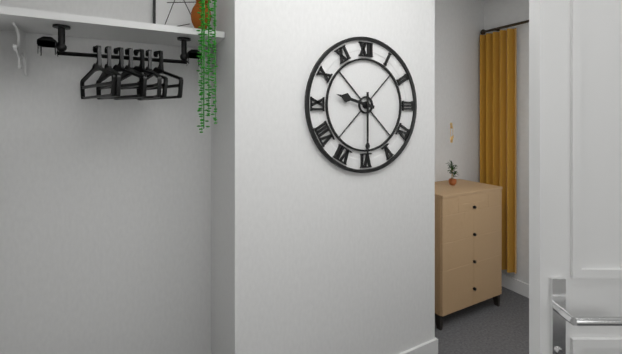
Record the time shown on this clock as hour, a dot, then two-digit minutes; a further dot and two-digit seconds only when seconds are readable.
9.30
